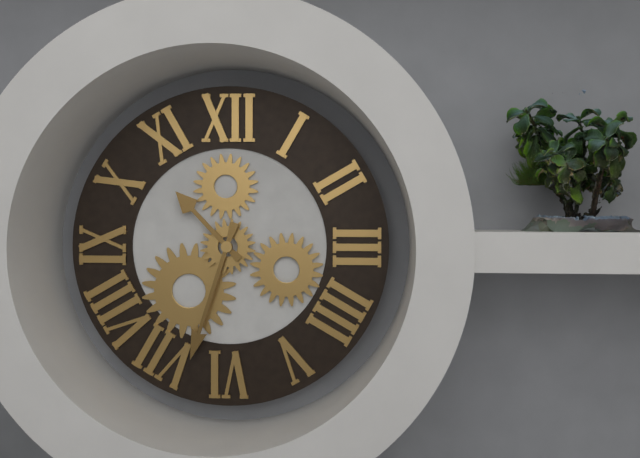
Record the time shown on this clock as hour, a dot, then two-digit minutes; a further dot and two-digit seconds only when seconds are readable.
10.33
